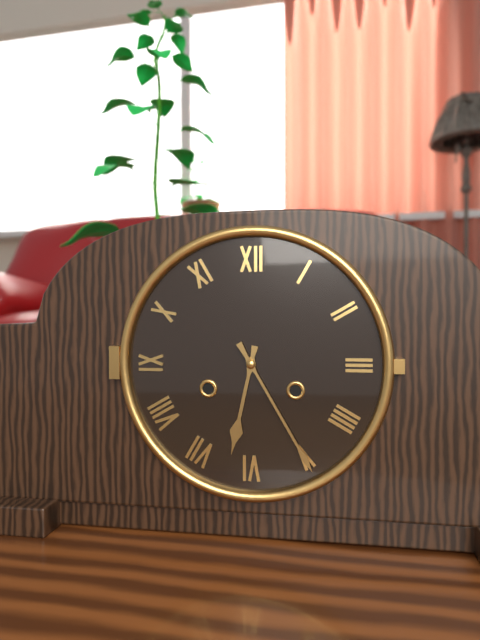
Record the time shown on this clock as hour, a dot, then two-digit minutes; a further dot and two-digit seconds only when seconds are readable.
6.25
